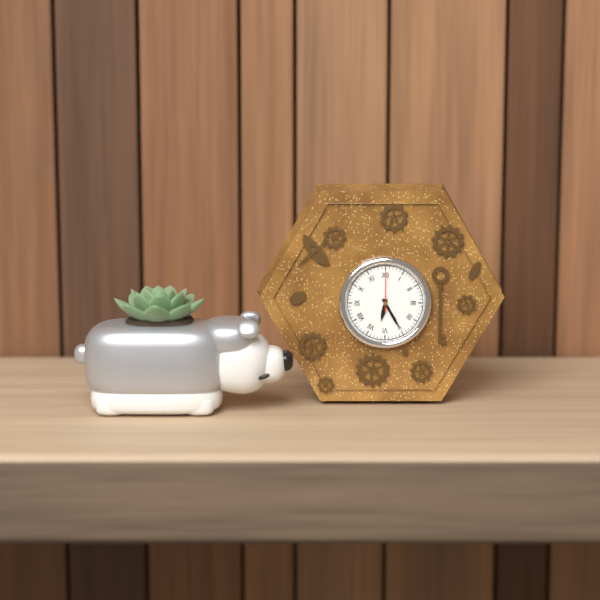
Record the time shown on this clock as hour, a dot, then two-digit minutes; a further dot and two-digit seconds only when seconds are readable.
6.25
